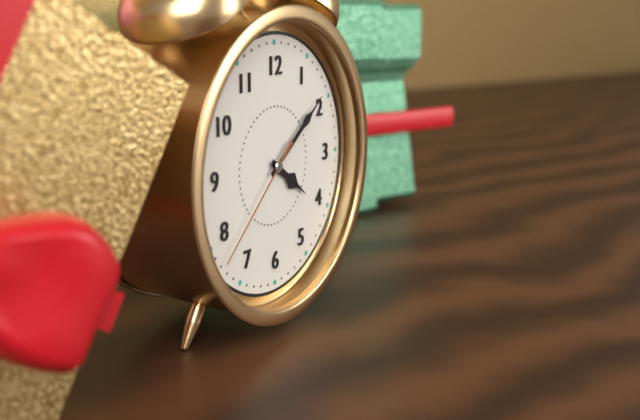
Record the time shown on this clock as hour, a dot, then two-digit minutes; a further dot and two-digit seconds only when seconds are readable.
4.09.38
